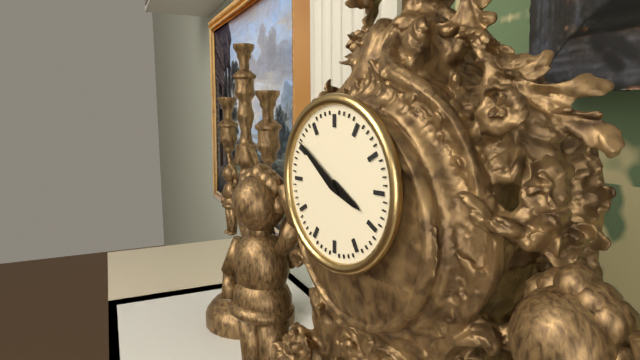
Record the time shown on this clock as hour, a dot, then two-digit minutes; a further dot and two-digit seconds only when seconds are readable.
3.51
